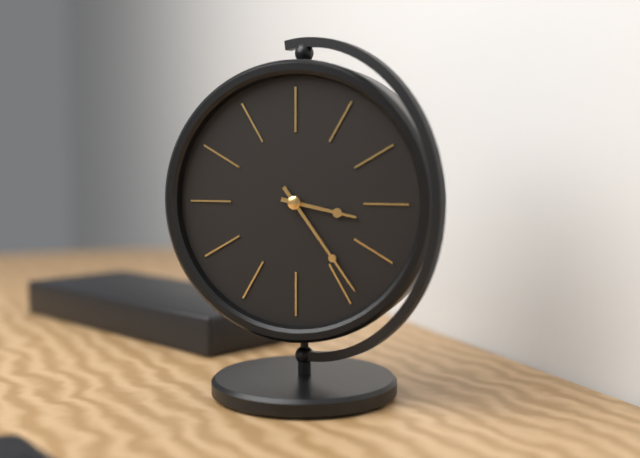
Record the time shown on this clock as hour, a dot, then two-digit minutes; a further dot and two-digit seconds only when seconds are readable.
3.24
